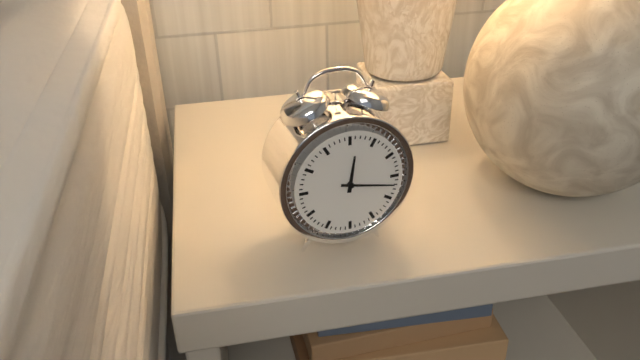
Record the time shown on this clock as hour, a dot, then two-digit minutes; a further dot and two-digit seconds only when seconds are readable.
12.17
